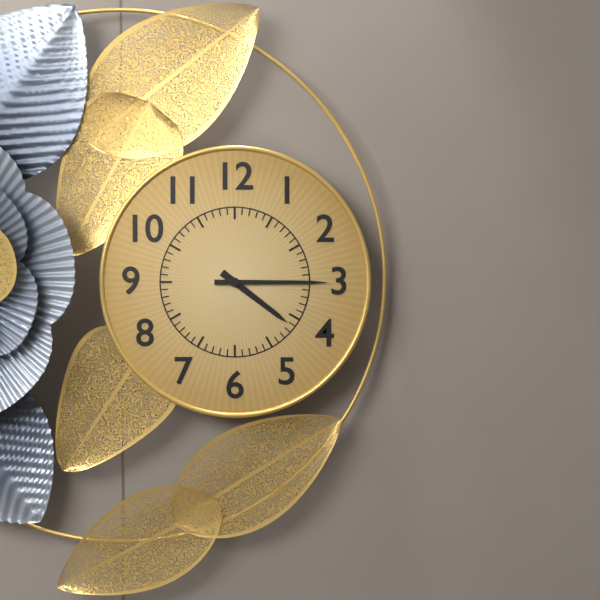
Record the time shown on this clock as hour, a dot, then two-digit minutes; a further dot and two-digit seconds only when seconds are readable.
4.15
